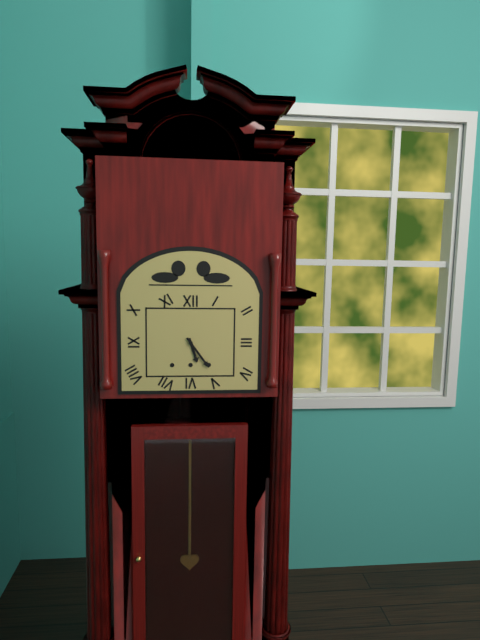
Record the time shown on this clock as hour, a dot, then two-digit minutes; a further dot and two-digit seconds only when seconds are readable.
5.24
